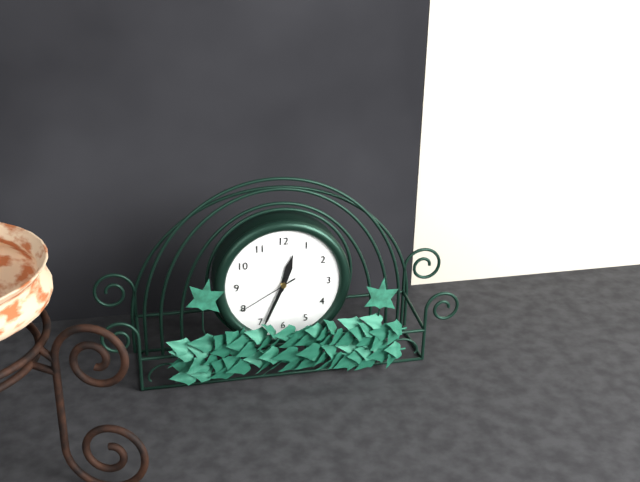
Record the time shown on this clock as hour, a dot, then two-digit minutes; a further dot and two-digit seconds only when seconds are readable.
12.34.40
